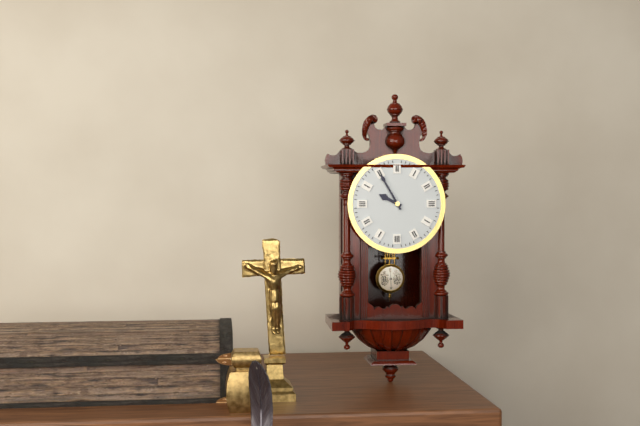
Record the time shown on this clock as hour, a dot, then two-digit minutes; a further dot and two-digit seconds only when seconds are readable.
9.55
